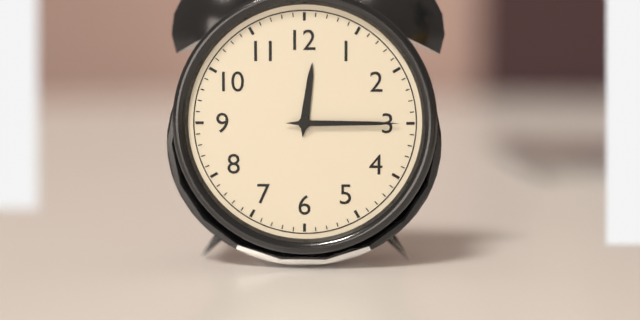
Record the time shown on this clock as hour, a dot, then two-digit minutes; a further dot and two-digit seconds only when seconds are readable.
12.15
